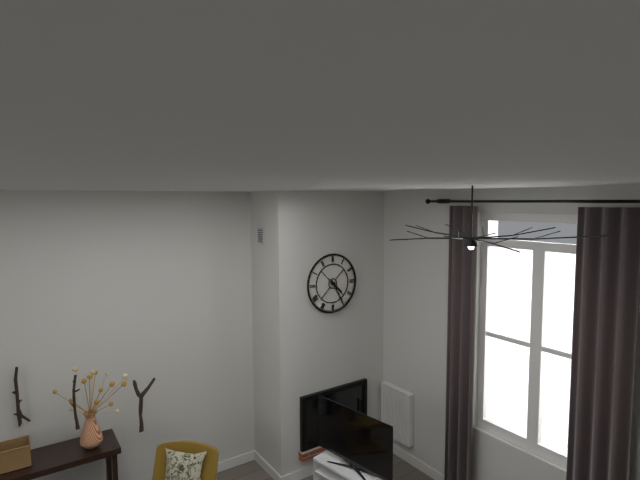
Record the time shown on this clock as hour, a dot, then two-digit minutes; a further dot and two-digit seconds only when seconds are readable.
4.25
